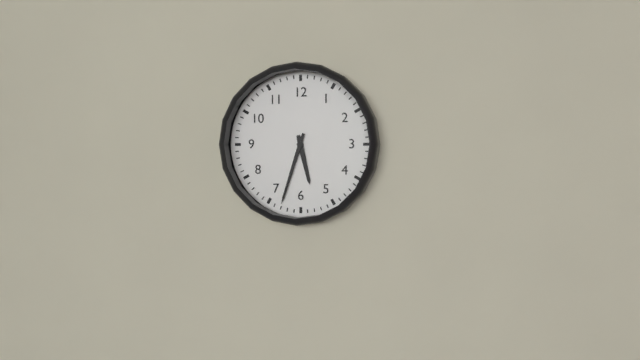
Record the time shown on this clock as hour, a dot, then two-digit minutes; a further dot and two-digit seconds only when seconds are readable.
5.33
